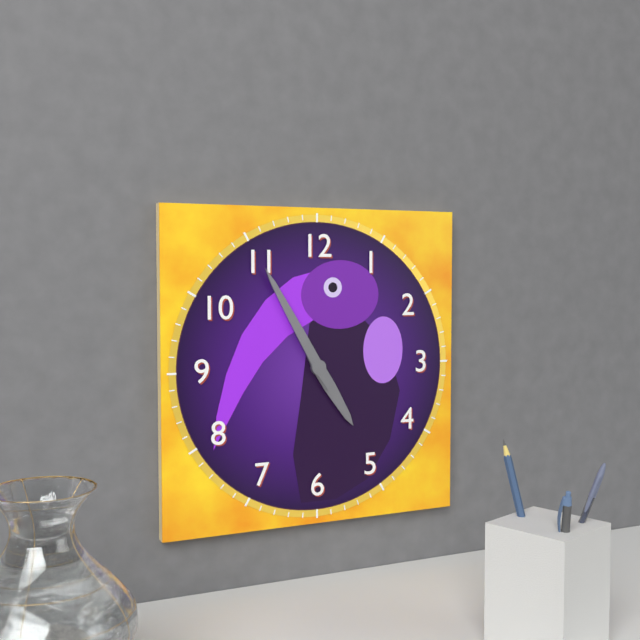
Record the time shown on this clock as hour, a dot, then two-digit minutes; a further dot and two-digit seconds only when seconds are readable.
4.55
